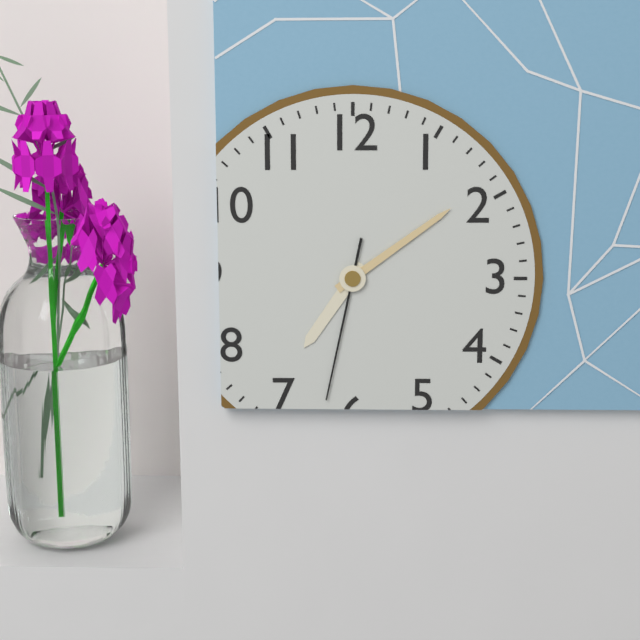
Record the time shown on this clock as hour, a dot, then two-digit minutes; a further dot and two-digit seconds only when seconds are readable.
7.09.32
